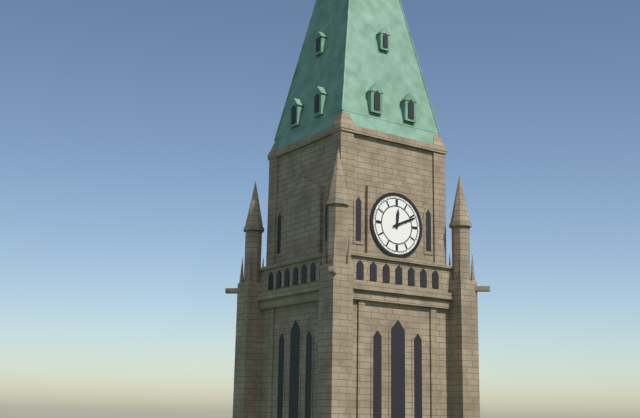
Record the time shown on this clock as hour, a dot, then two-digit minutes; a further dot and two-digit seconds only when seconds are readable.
12.11
